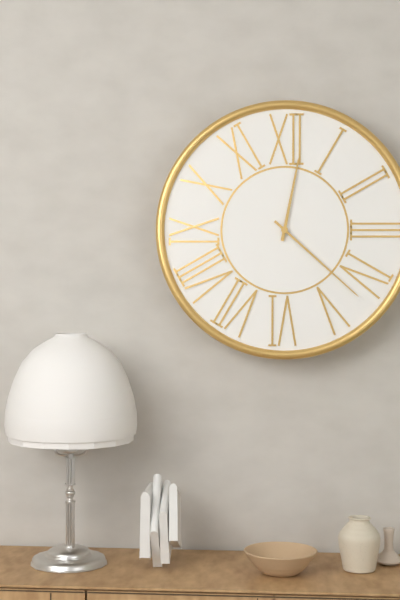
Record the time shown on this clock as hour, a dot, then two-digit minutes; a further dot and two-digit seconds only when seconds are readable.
12.22
